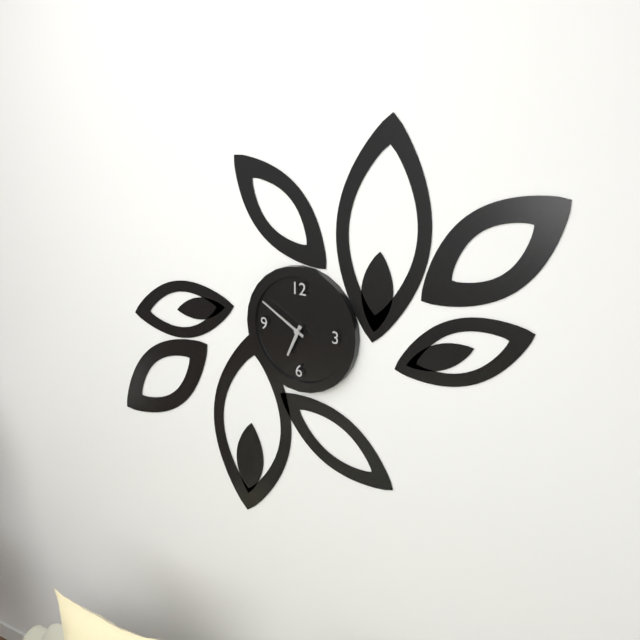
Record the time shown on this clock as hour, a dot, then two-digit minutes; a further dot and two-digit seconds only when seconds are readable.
6.50
